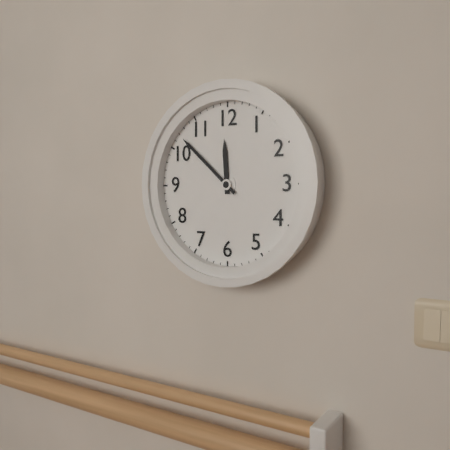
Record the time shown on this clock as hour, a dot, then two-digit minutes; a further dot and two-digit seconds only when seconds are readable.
11.52
